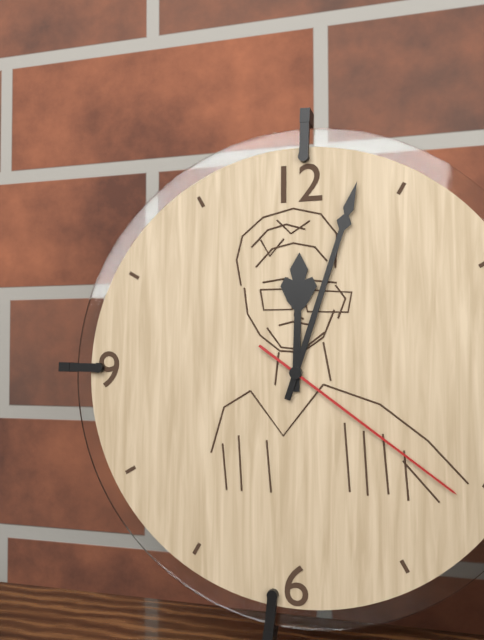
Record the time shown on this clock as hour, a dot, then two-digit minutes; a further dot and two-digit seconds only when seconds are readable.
12.03.21
